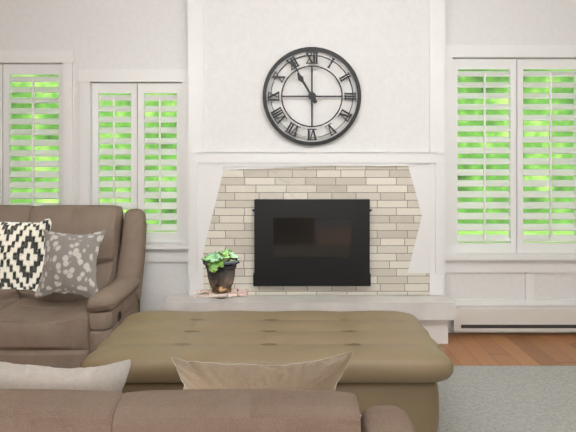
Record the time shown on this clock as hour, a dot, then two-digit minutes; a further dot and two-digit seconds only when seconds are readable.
10.55
